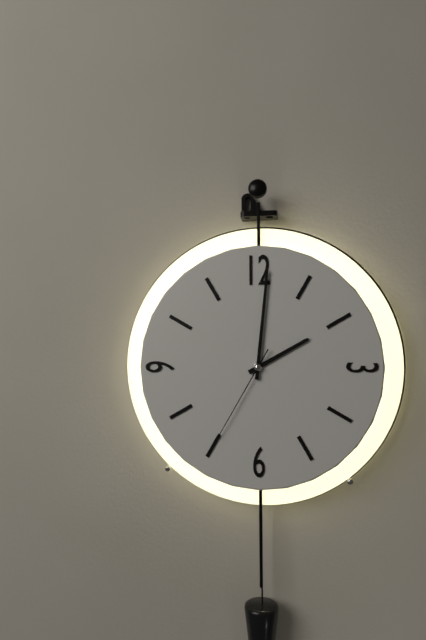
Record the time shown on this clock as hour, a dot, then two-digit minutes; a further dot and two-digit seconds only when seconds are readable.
2.01.35
